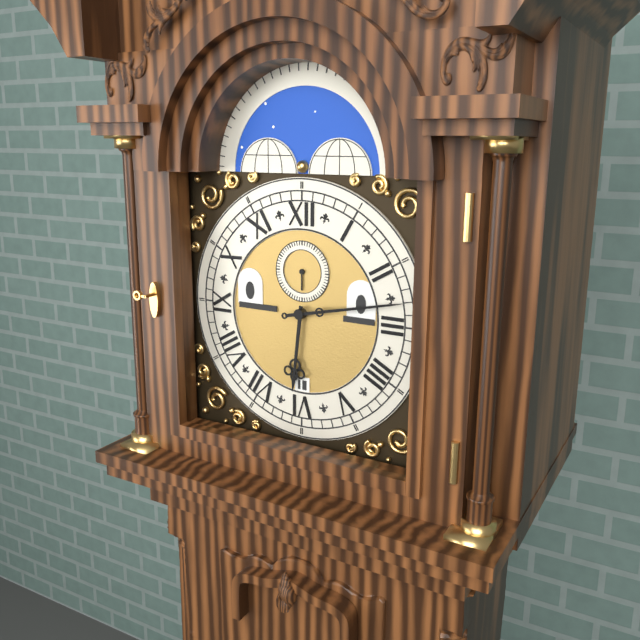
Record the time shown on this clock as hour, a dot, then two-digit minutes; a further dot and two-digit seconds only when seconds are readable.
6.13
